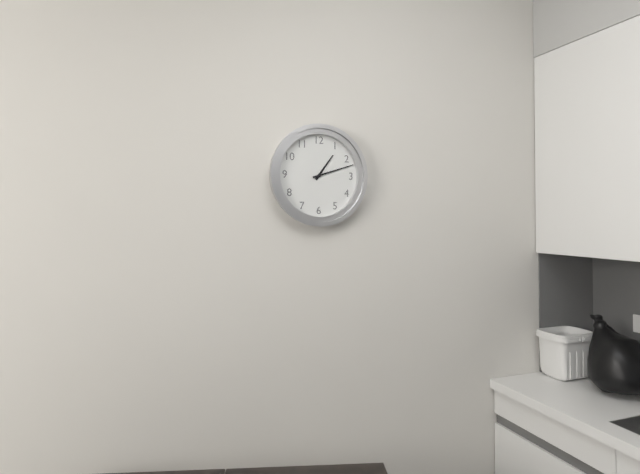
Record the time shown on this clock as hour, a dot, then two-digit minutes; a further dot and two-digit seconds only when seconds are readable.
1.12
